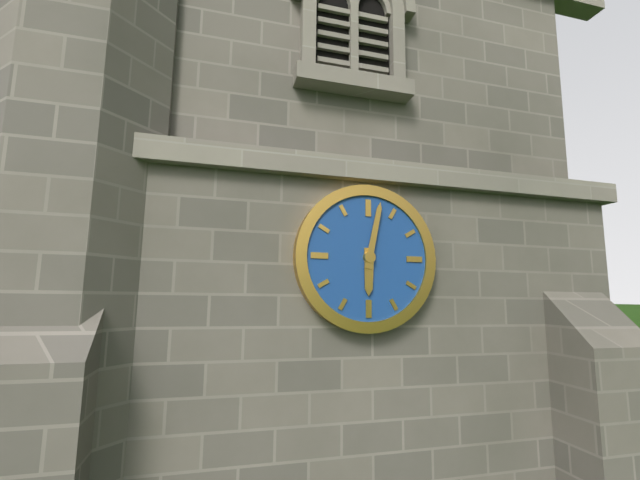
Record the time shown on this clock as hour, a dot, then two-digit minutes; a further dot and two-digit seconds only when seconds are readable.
6.02
